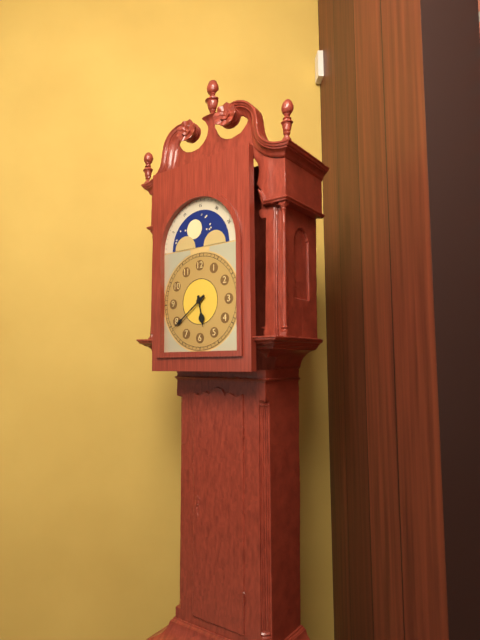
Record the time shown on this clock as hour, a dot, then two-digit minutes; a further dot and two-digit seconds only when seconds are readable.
5.39
